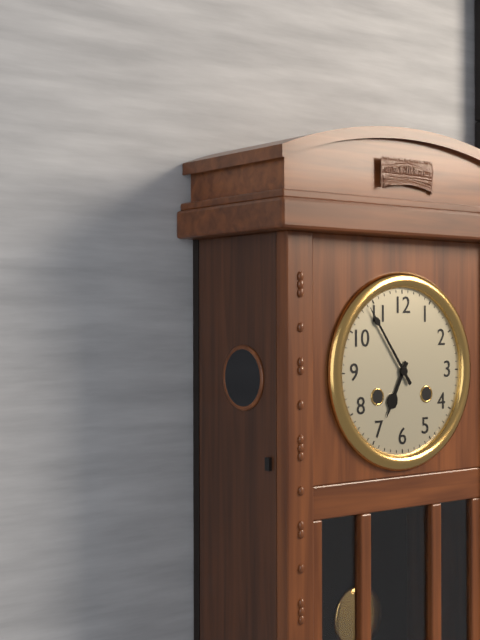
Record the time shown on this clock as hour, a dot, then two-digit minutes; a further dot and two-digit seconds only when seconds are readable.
6.54
